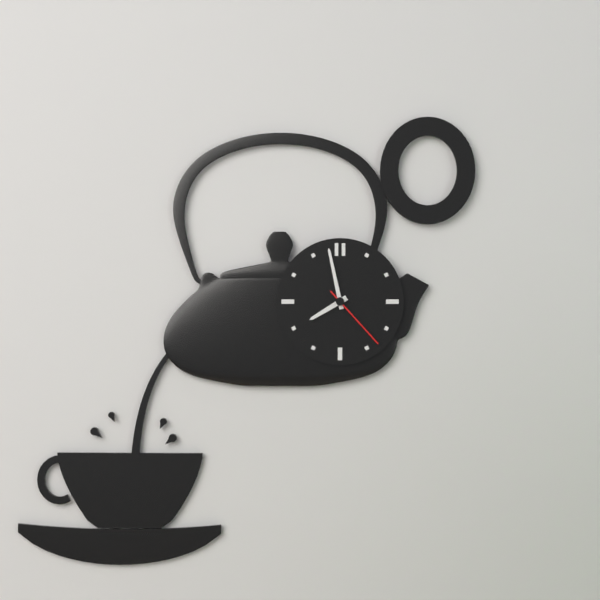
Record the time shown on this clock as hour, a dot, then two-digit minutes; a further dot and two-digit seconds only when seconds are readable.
7.58.23
